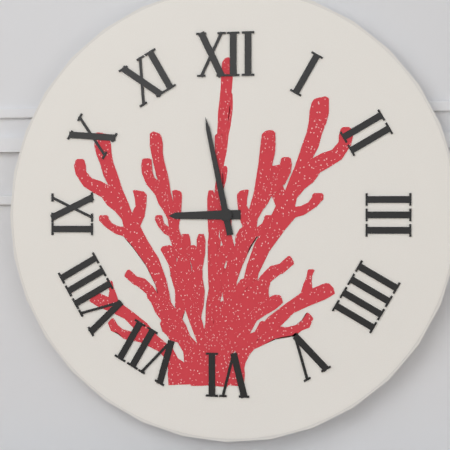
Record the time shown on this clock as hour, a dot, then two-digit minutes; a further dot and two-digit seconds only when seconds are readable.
8.58
